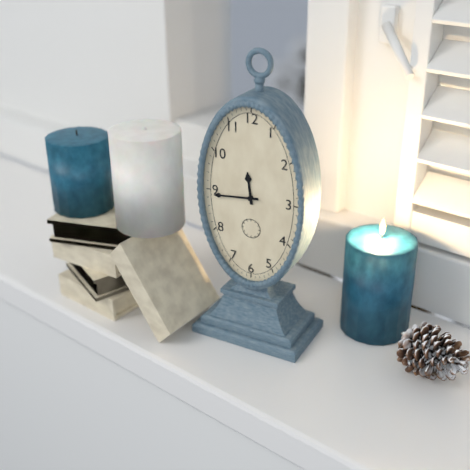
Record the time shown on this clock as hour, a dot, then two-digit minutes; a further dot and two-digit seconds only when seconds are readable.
11.44
